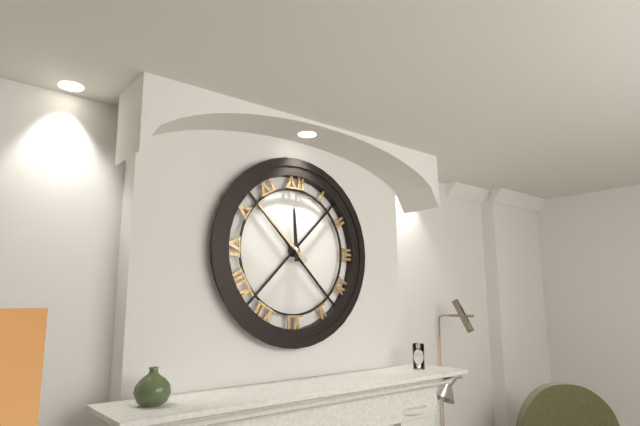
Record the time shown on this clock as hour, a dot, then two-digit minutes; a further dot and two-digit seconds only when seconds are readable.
11.52
